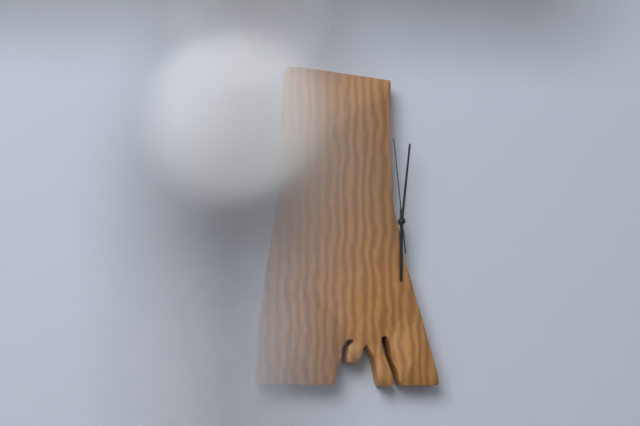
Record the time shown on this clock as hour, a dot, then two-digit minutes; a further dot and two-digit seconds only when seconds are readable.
6.01.59
